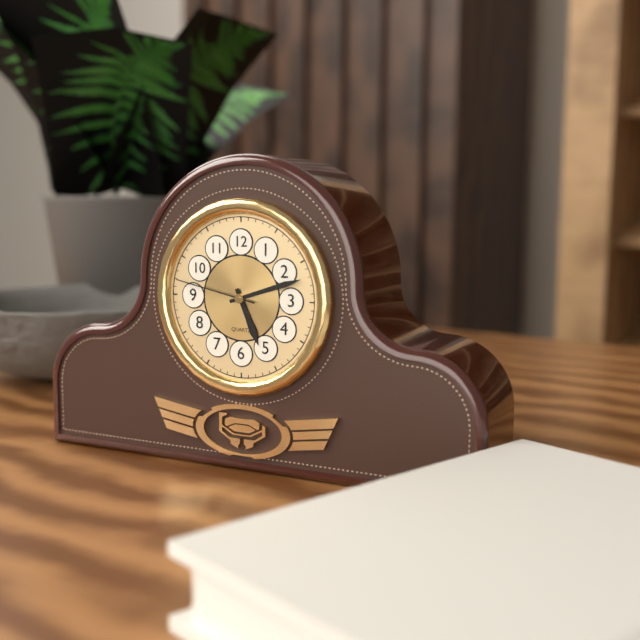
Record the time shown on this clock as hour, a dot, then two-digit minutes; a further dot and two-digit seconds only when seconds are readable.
5.12.47
